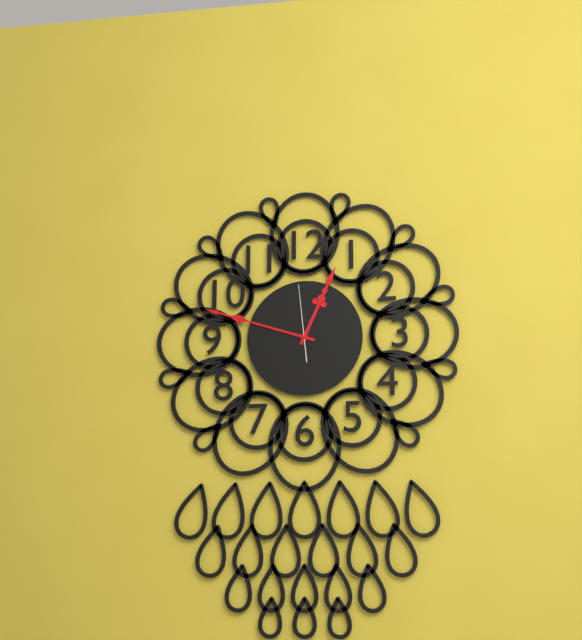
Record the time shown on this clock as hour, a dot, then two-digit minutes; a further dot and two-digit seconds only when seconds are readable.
12.48.59
